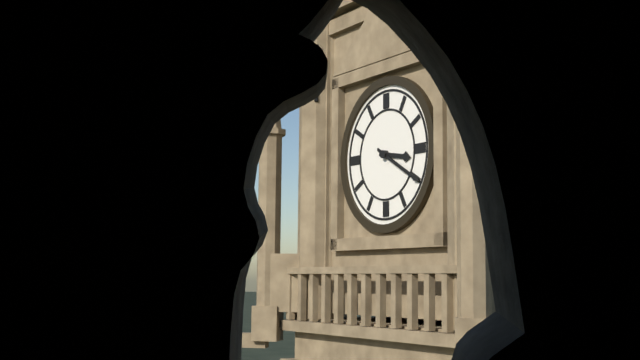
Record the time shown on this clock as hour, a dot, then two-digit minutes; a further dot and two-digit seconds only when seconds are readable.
3.20
